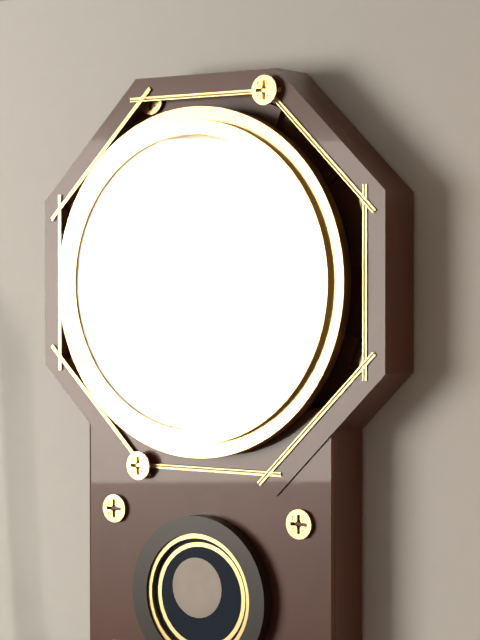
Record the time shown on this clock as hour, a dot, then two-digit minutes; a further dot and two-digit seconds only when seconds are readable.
6.27
